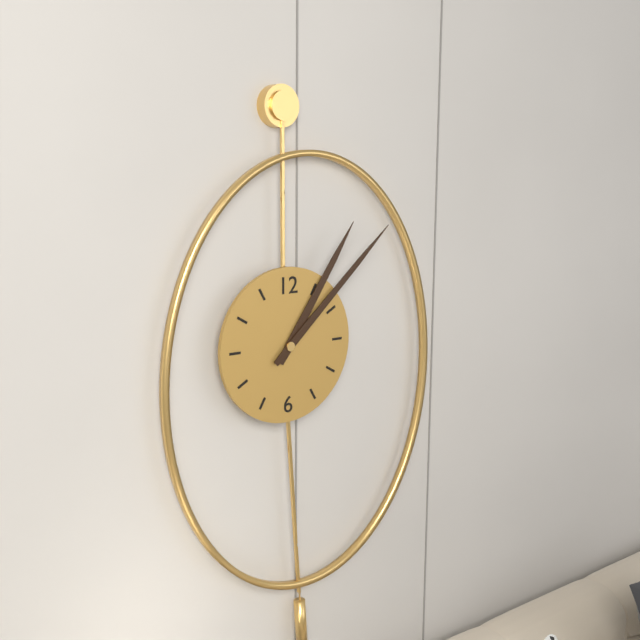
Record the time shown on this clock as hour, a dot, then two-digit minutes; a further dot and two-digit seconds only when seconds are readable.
1.08
